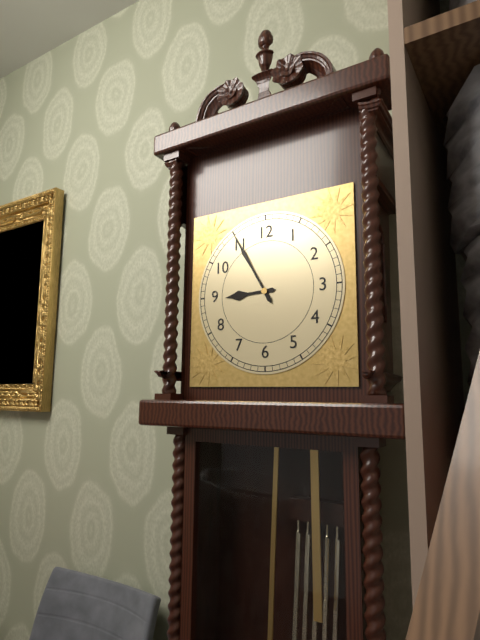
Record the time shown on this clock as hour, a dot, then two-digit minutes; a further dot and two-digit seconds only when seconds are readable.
8.55
